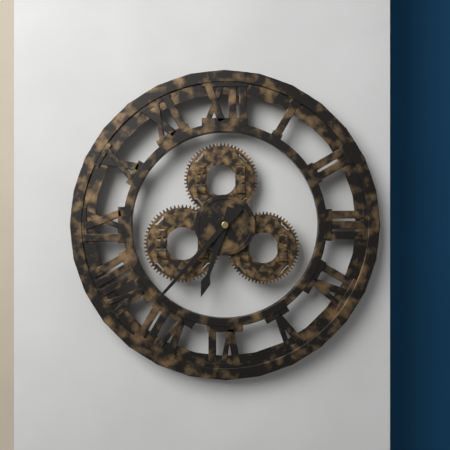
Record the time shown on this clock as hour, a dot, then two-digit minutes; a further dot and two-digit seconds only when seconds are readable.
6.37
